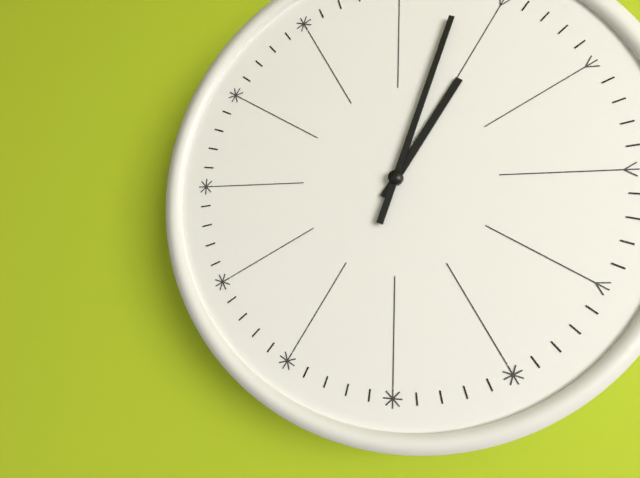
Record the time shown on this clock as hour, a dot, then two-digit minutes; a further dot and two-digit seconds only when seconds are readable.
1.03
